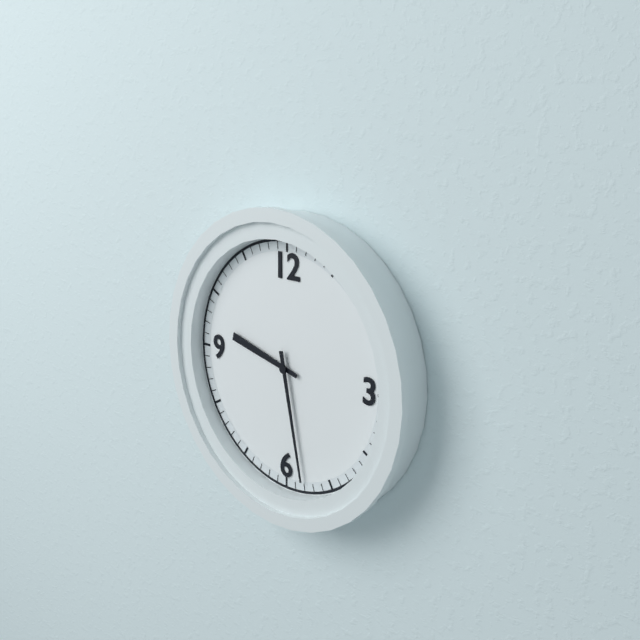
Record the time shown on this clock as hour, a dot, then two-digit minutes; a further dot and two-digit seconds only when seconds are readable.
9.28
